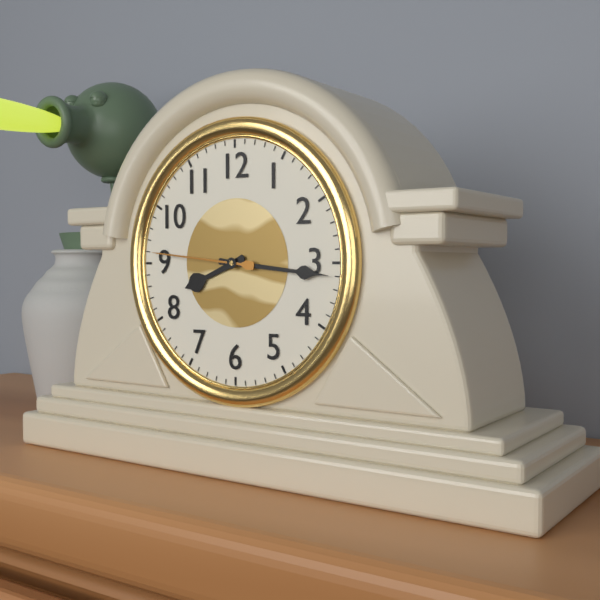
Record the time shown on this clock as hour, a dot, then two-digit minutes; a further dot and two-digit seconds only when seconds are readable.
8.16.46
